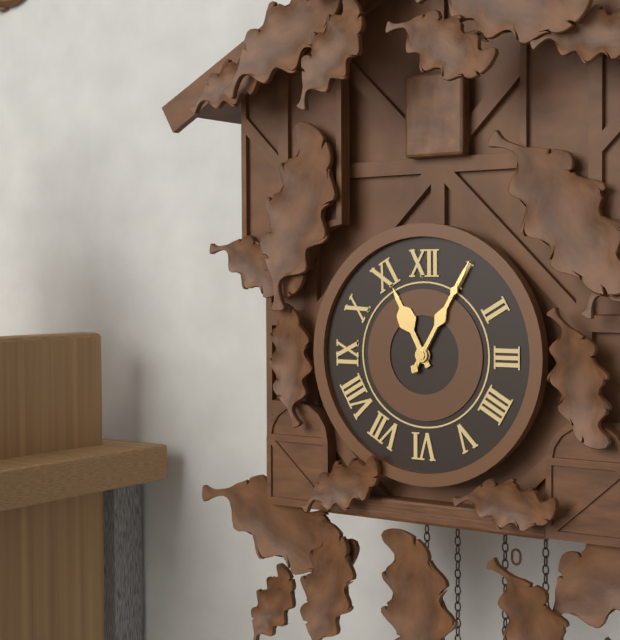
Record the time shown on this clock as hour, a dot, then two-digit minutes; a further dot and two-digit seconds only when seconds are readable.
11.05
